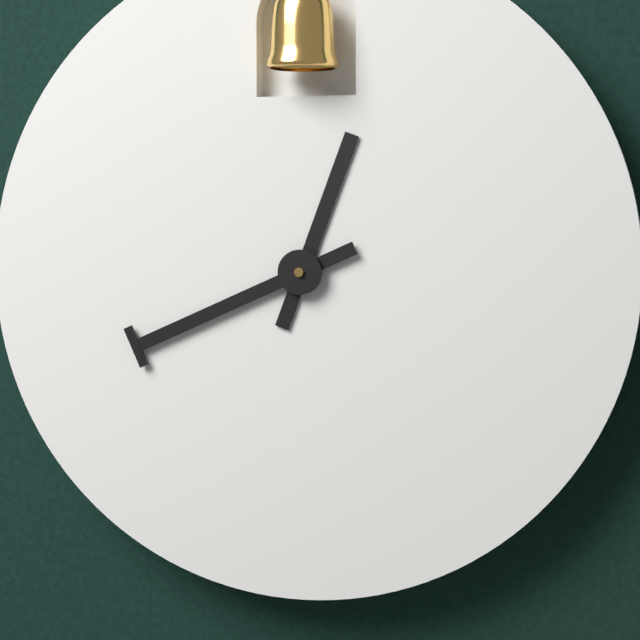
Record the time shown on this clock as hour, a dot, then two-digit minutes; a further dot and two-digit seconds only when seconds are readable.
12.41
